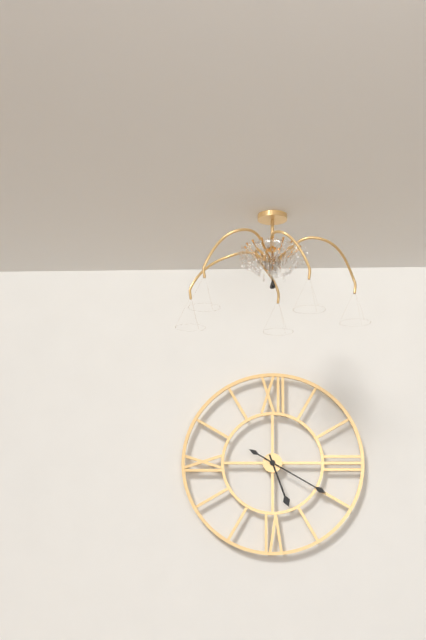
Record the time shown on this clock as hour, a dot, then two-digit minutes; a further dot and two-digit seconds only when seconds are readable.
5.20
